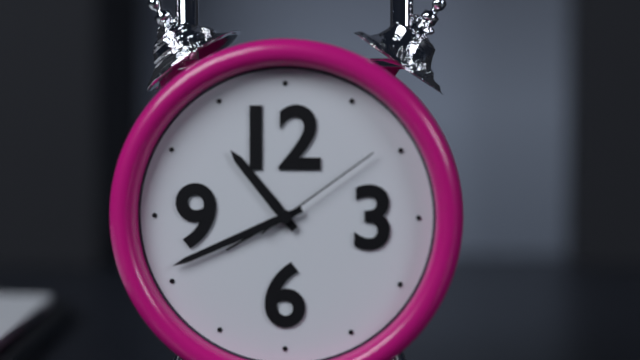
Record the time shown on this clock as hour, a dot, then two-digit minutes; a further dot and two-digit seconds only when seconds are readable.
10.41.09
